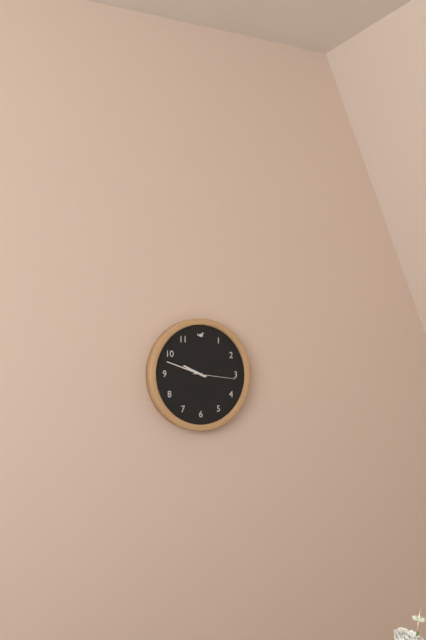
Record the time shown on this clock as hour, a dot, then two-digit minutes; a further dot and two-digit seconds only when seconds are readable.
9.48.16
